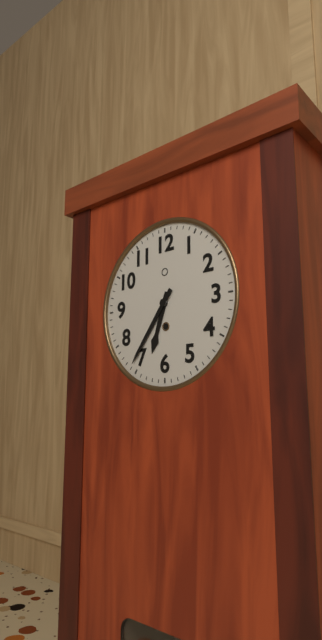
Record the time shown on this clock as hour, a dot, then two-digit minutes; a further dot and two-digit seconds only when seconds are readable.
6.36
